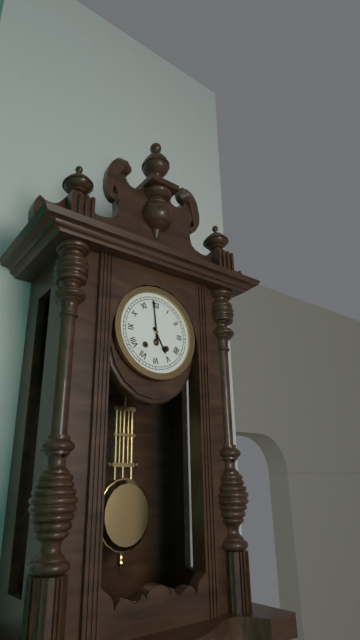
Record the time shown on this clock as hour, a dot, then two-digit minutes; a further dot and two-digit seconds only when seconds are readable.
4.59
